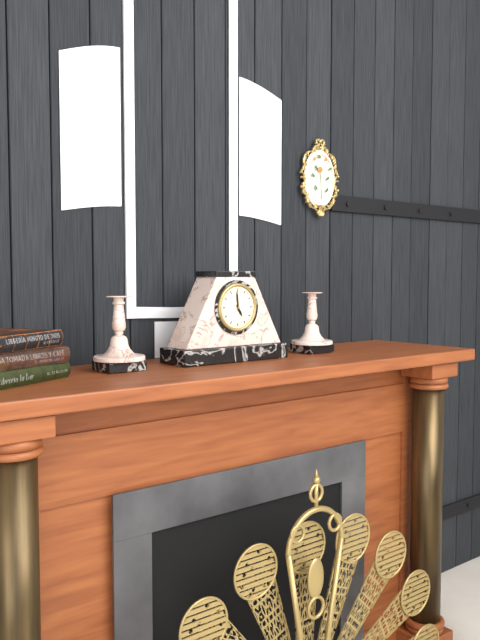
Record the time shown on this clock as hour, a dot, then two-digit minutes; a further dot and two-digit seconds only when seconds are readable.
4.59
